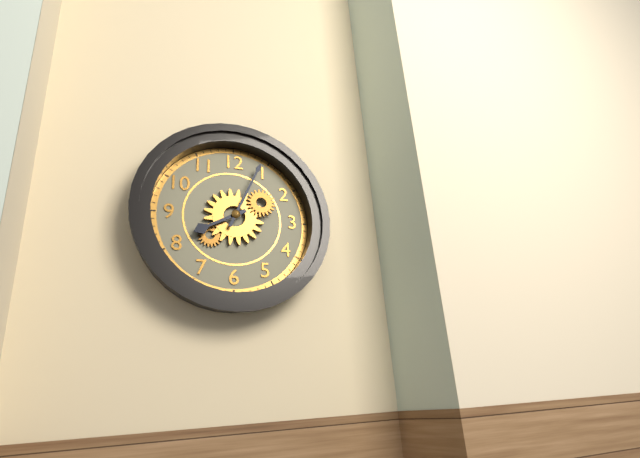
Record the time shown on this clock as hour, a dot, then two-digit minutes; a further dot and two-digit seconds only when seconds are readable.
8.04
